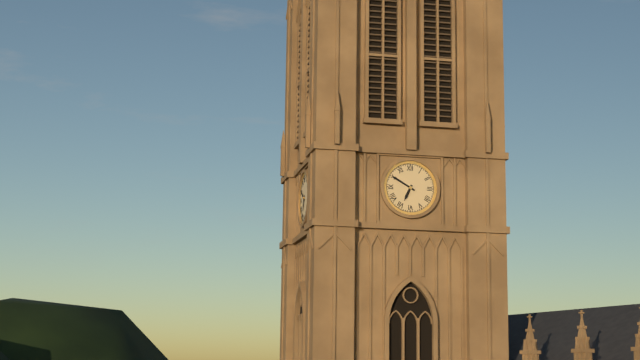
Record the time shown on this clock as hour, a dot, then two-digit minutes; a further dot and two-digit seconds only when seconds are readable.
6.50
